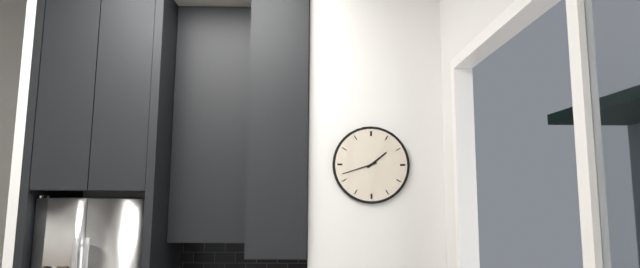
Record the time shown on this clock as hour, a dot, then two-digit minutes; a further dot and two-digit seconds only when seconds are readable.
1.42
